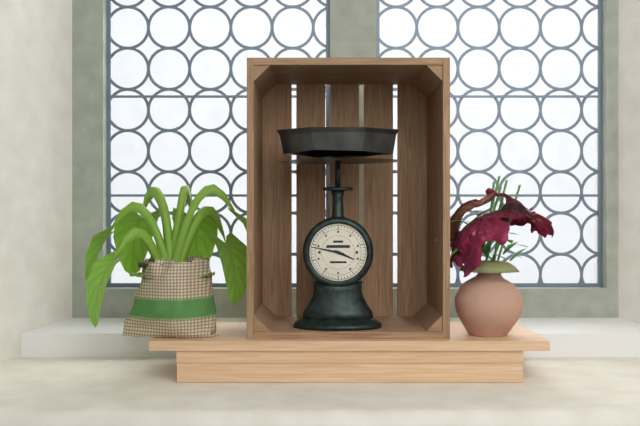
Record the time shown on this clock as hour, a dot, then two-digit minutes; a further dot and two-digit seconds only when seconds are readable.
3.47
